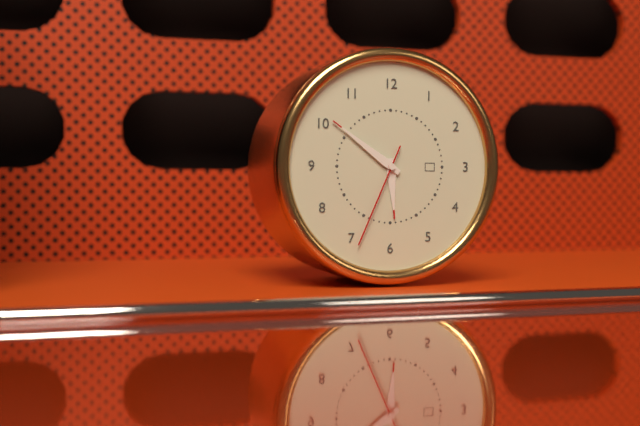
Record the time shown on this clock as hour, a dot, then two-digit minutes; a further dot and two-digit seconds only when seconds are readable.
5.51.34
